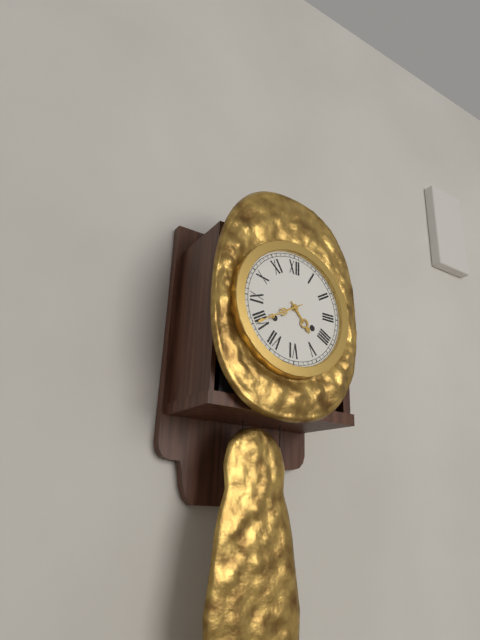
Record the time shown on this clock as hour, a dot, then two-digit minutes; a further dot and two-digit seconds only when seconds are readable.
4.40
